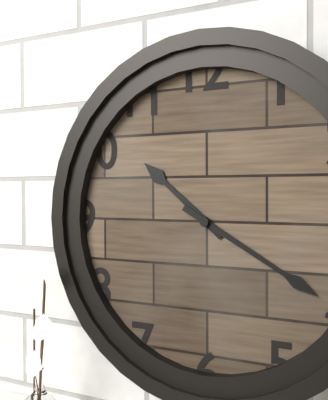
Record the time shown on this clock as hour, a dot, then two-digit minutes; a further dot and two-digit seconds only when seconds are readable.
10.20
